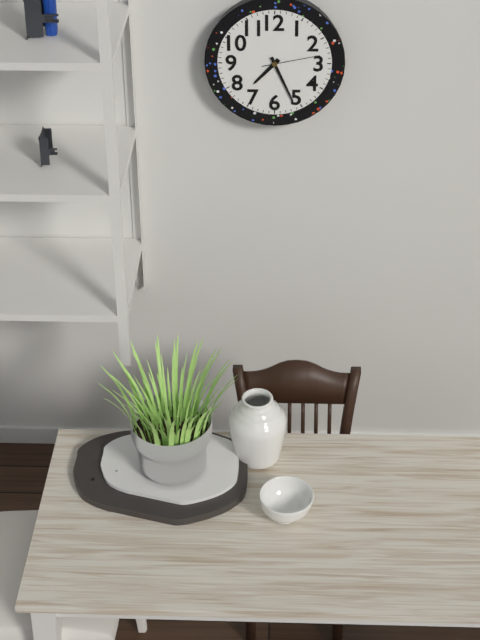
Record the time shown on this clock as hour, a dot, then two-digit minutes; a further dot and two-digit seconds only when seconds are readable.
7.26.13
